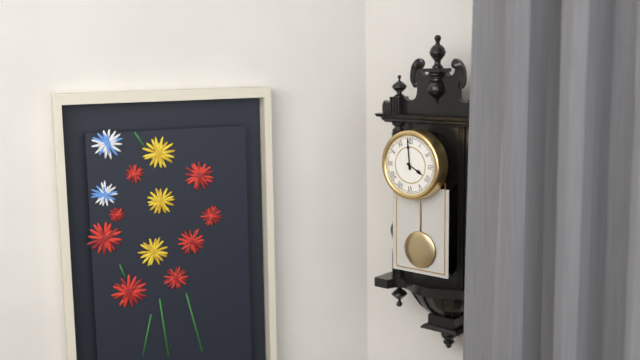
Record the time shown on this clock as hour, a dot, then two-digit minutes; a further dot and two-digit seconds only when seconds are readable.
3.59
